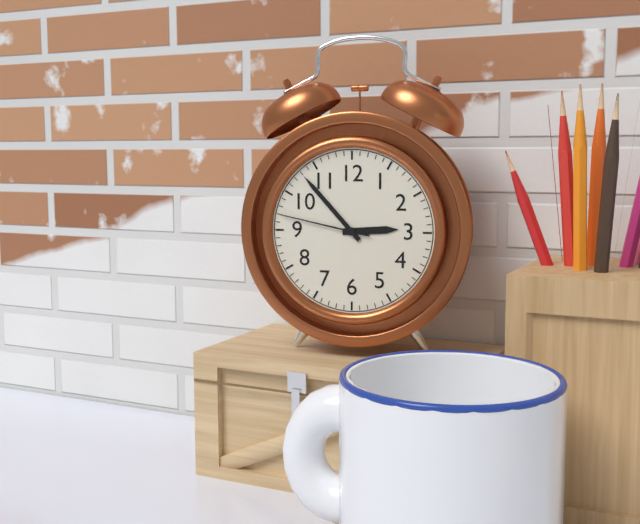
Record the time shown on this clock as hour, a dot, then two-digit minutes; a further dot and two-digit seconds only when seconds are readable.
2.53.47
